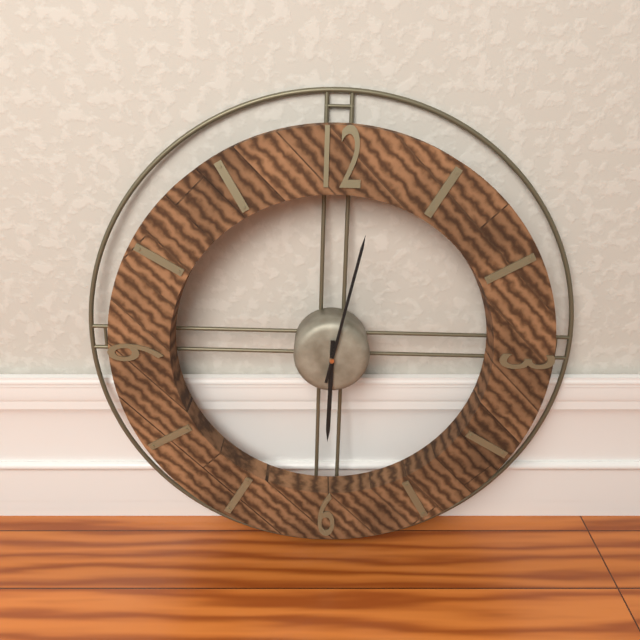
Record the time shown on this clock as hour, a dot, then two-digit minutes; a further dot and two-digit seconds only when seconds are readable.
6.02
